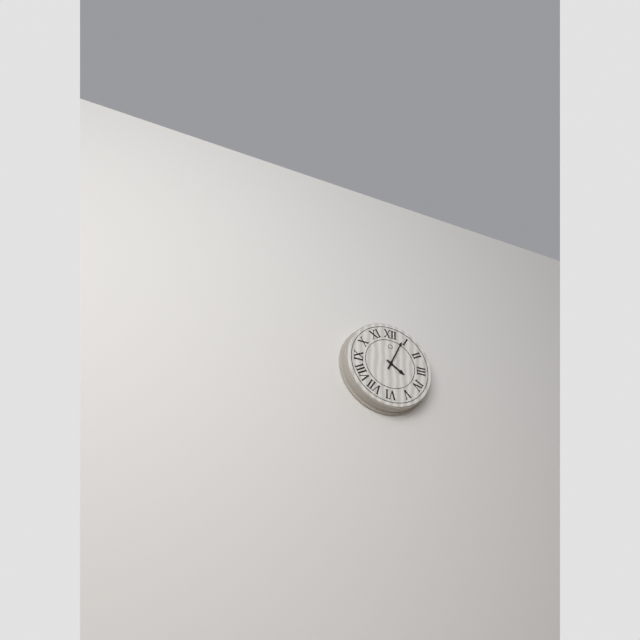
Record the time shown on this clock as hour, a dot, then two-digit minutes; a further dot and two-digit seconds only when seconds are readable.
4.04
